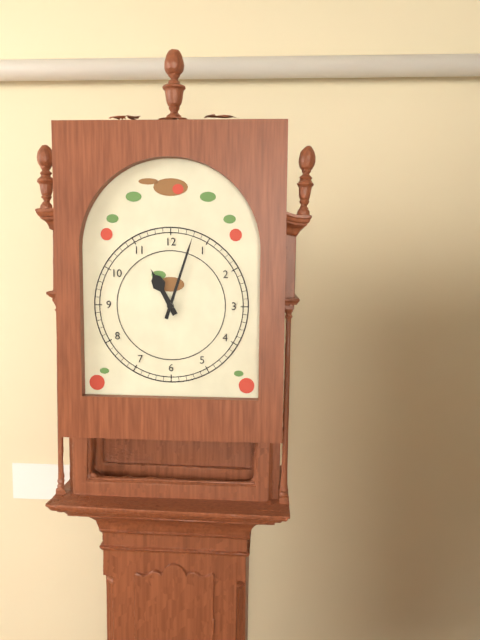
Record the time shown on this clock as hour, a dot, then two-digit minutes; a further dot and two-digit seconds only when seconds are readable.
11.03
